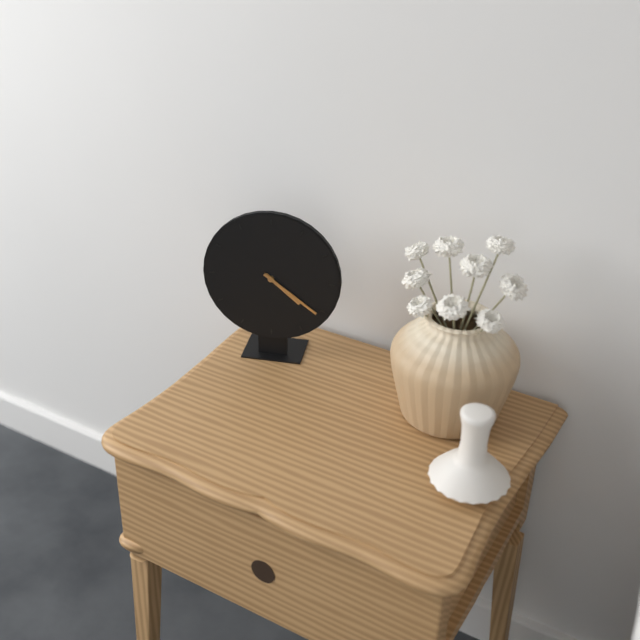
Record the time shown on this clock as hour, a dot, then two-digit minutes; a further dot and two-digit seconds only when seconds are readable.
4.21
